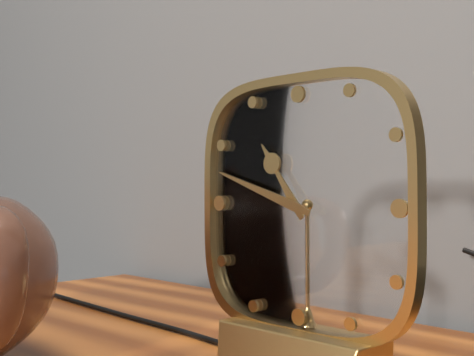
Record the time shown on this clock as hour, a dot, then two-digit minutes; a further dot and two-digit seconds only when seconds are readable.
10.48
